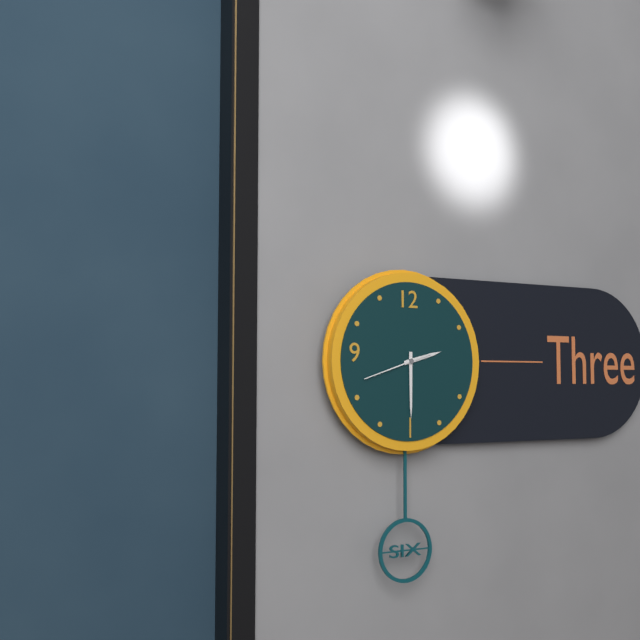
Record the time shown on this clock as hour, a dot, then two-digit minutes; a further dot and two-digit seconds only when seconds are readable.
2.30
